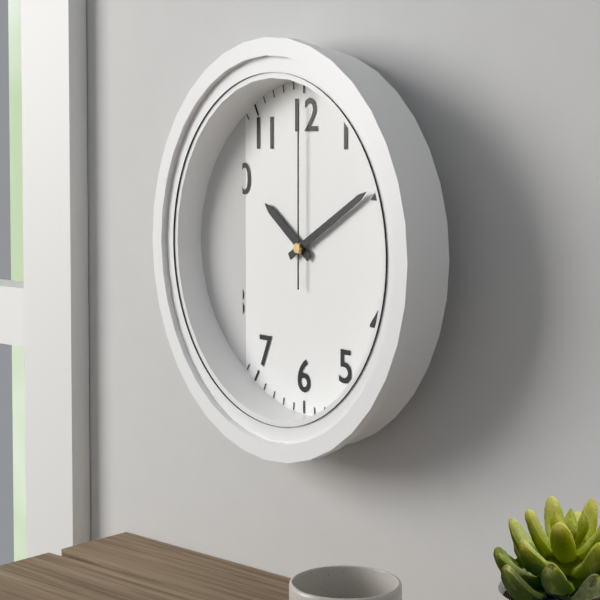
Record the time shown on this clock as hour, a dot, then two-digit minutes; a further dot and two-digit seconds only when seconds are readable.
10.10.00
